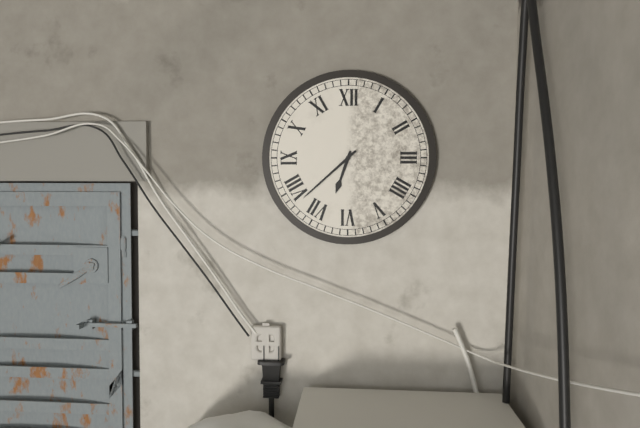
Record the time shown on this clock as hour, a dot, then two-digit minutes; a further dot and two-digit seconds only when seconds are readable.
6.38
